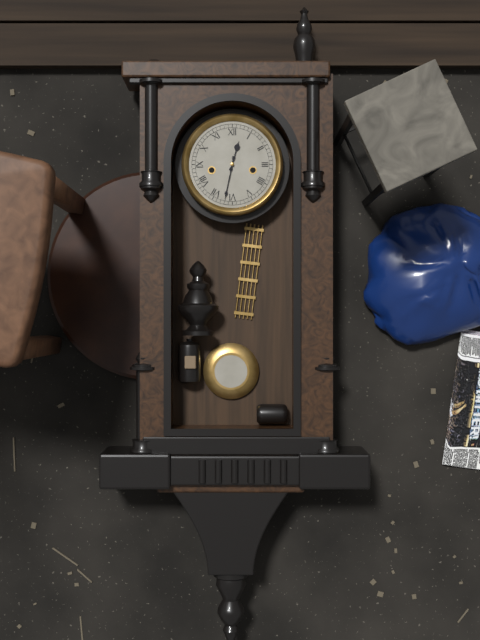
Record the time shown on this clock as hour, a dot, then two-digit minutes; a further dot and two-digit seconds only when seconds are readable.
12.32
